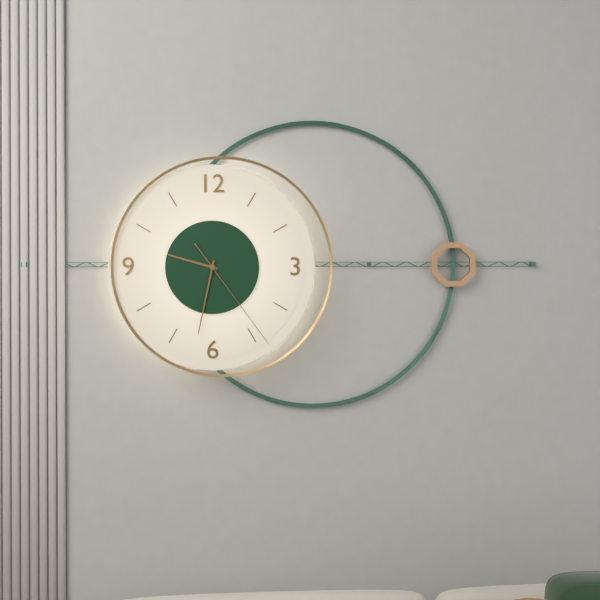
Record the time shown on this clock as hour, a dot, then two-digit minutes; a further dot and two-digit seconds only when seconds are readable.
9.32.24
